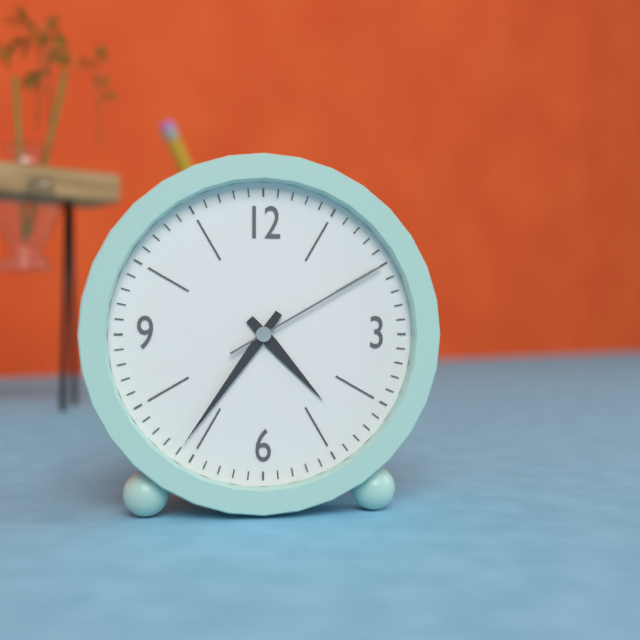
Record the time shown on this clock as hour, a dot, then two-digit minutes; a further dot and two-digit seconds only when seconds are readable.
4.36.10
